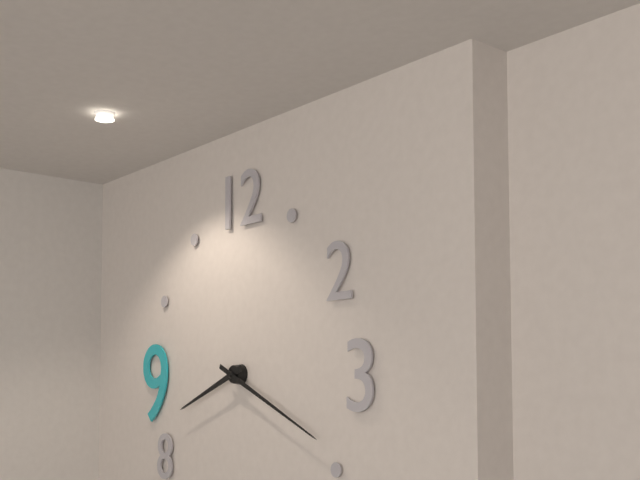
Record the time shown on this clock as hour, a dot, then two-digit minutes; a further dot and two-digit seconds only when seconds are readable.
8.19
